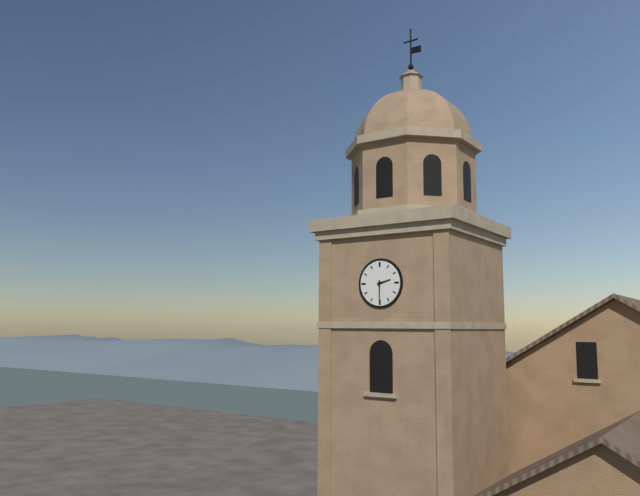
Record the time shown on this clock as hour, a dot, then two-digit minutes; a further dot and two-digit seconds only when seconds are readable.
2.30
